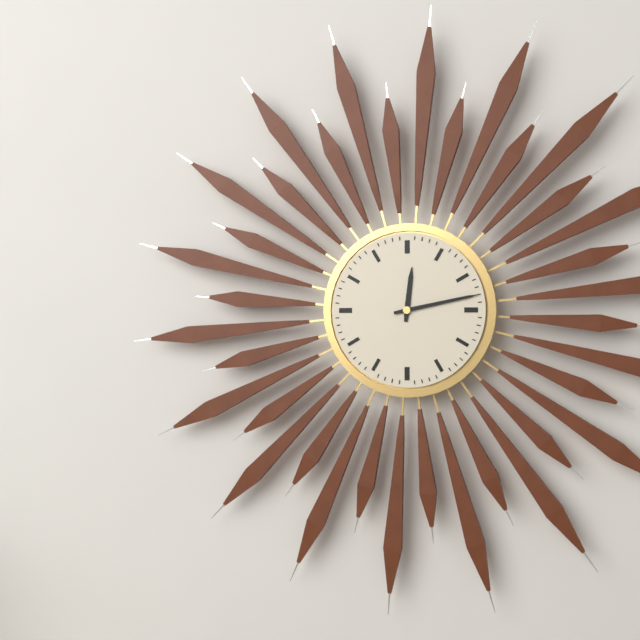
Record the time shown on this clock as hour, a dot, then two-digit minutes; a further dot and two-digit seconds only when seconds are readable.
12.13
